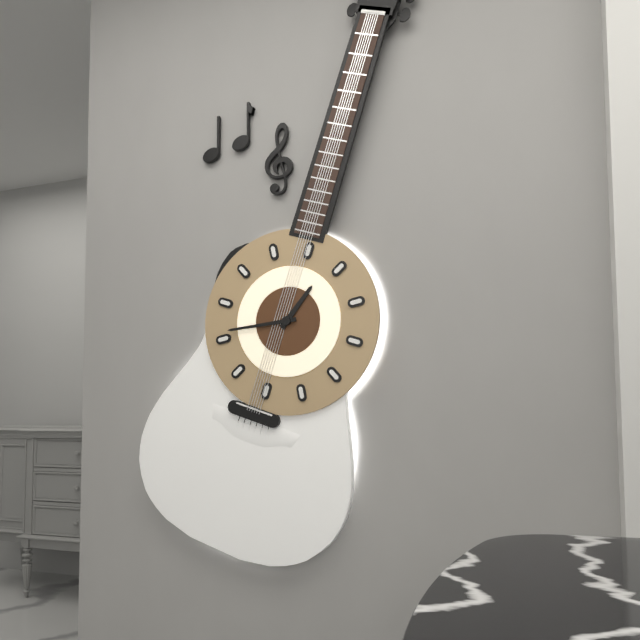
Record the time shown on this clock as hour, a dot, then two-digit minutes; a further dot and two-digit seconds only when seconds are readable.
12.41
